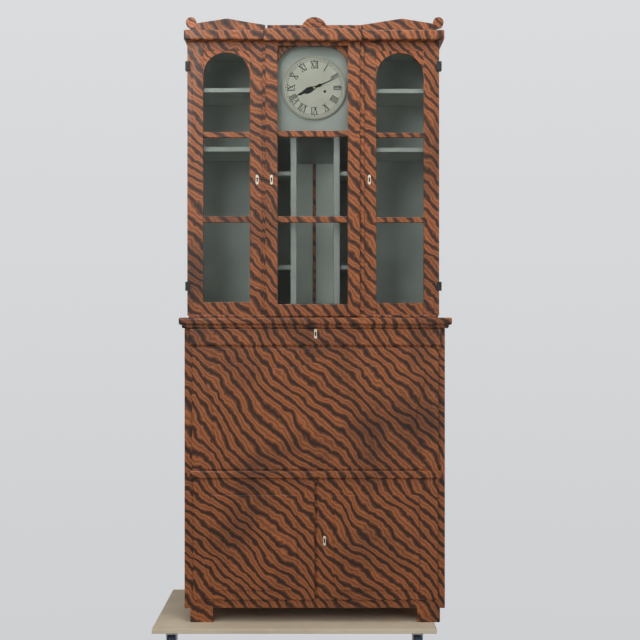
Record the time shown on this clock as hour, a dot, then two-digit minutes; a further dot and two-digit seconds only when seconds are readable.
8.11
